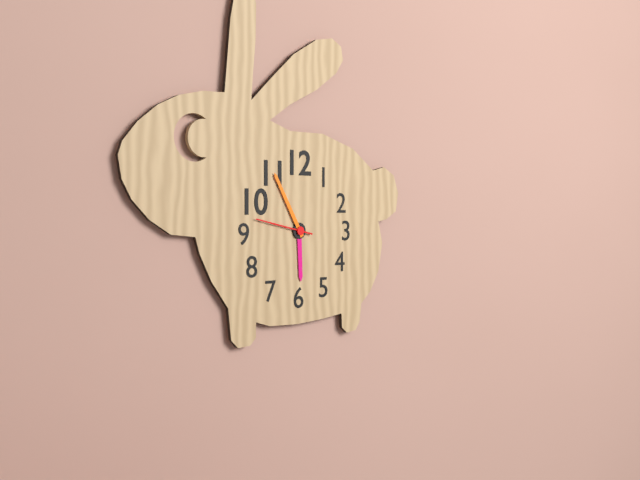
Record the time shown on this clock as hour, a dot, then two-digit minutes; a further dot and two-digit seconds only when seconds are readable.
5.55.47
